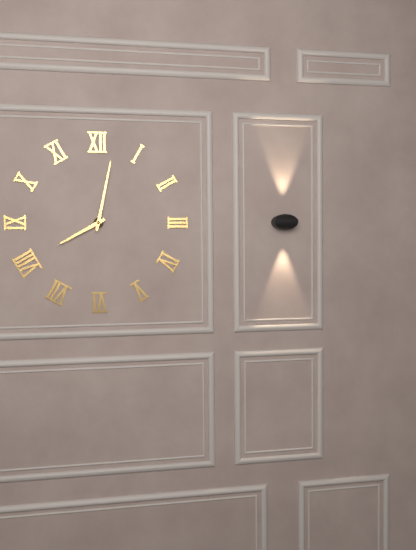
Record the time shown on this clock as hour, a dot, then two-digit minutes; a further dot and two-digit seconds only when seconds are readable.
8.02
